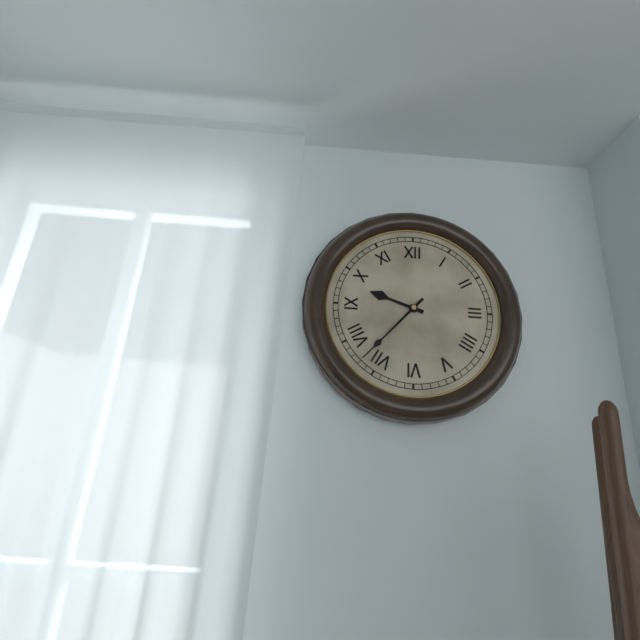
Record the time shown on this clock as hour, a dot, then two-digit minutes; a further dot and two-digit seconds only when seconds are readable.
9.37
